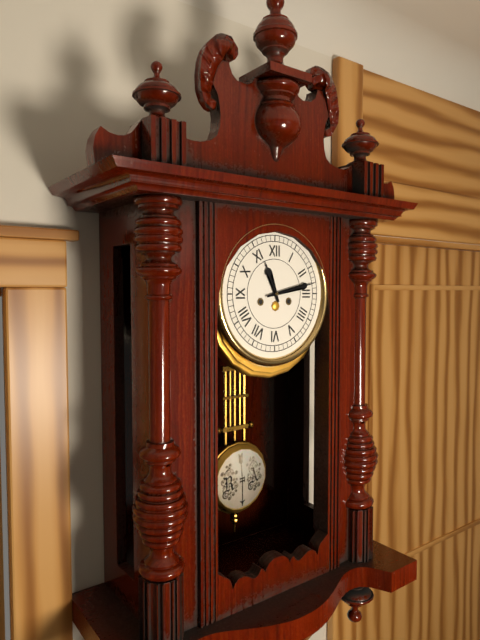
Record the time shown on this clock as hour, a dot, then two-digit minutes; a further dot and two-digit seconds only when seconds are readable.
11.13
